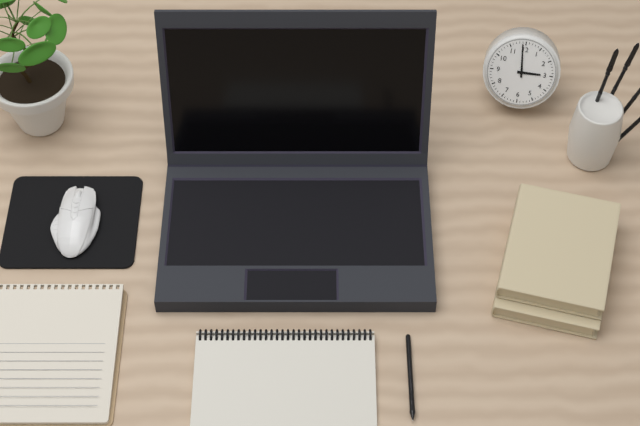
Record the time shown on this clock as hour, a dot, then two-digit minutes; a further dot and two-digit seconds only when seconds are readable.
2.59
